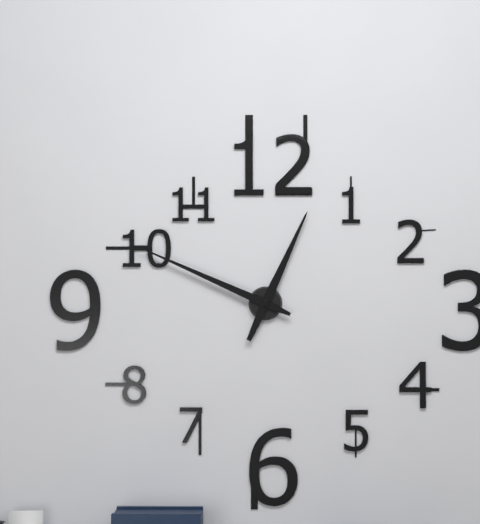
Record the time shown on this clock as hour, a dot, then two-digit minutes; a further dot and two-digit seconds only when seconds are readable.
12.49
